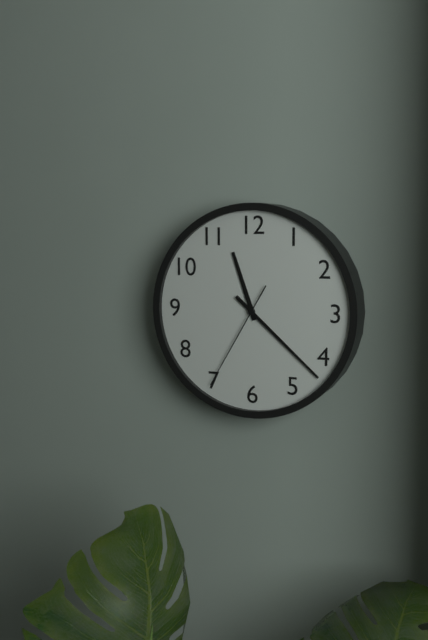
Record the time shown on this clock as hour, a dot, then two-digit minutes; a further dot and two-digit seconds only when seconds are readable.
11.22.35
